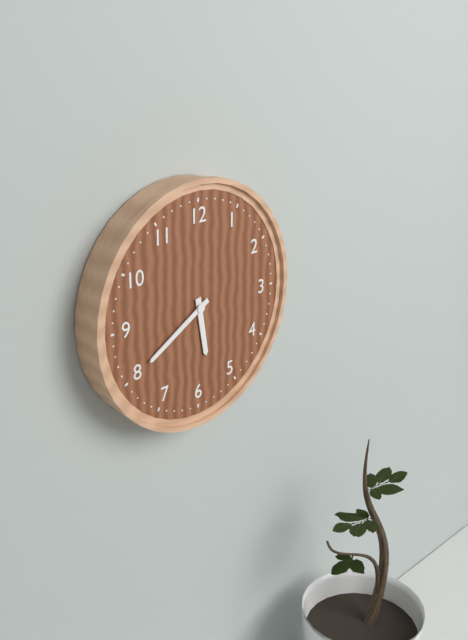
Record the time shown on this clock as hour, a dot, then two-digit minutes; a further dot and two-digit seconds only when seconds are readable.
5.40
